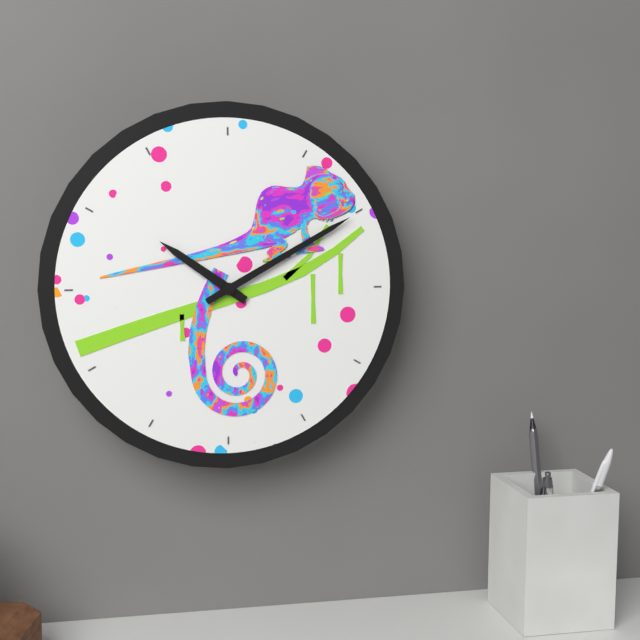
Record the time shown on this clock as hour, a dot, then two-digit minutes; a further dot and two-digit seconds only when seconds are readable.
10.10
